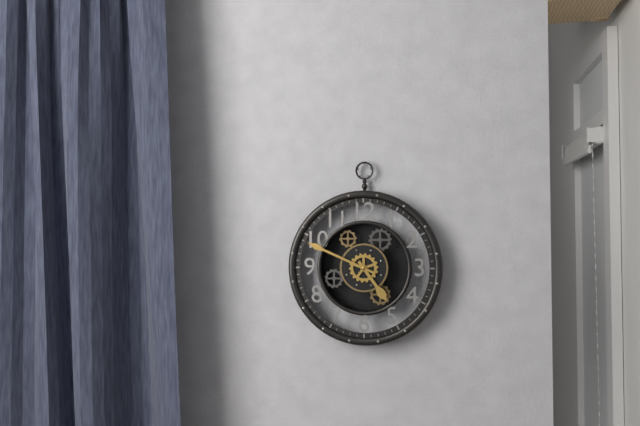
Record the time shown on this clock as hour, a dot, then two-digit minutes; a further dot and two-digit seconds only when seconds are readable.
4.49
